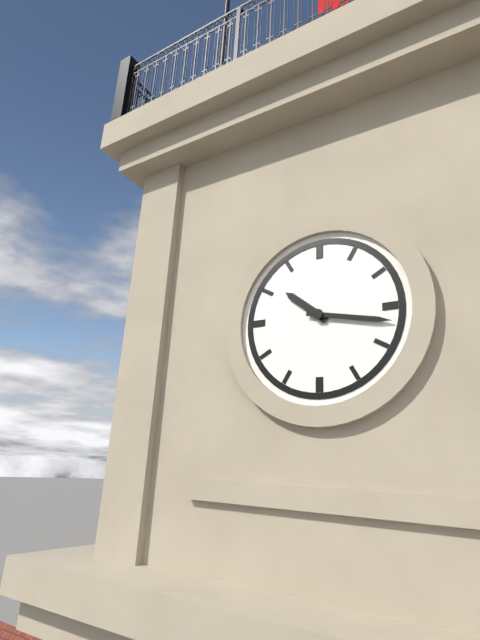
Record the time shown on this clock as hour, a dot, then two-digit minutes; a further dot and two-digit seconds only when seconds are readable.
10.17
